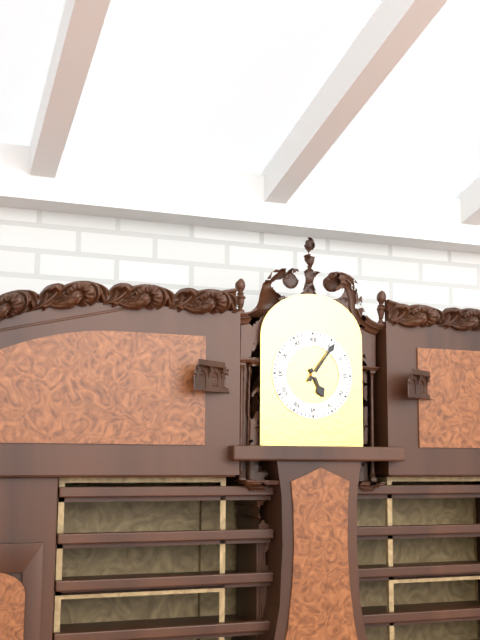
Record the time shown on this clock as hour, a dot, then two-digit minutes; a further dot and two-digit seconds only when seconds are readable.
5.06
